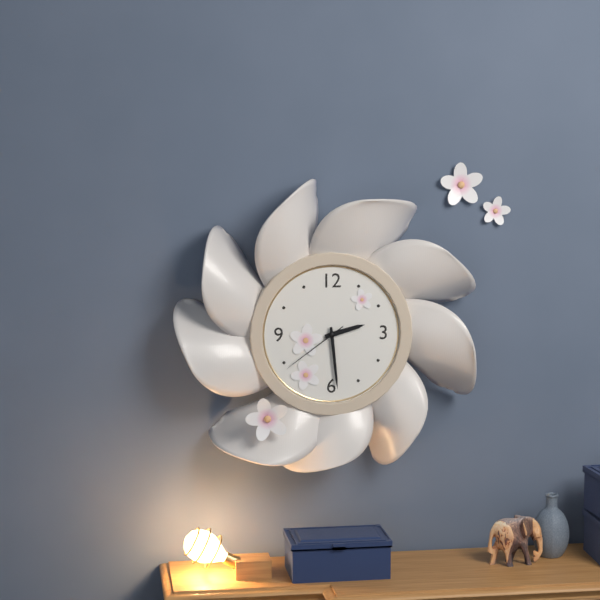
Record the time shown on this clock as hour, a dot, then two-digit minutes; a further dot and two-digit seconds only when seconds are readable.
2.29.39
